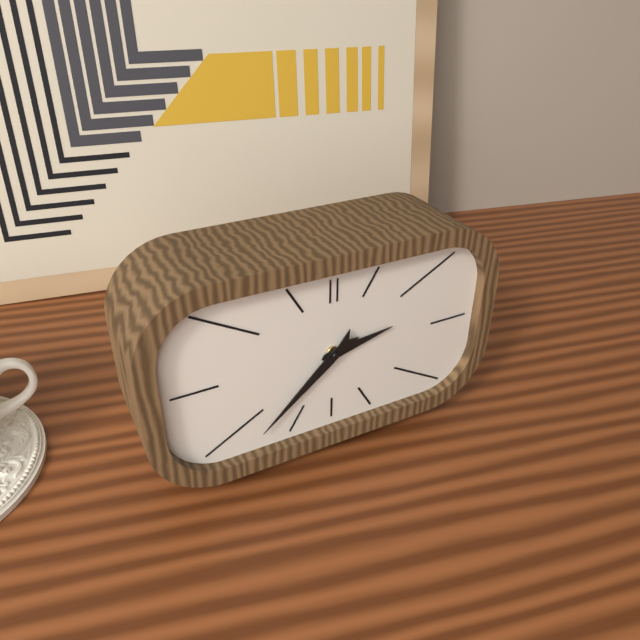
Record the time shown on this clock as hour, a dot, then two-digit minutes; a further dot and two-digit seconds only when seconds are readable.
2.38
